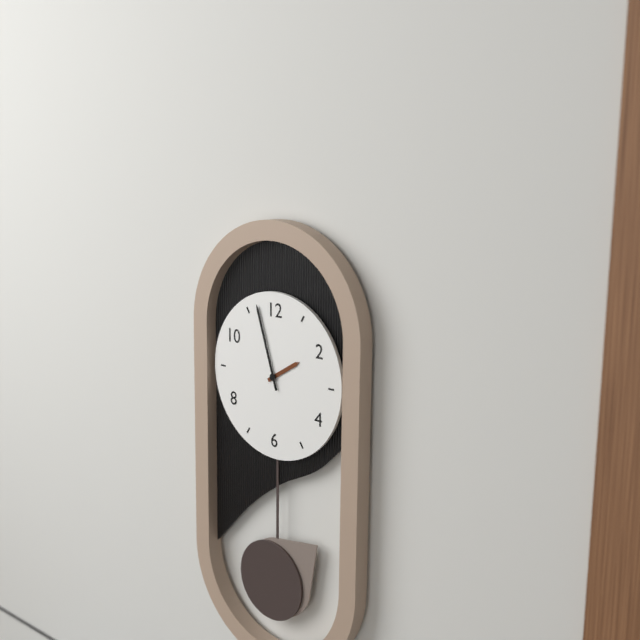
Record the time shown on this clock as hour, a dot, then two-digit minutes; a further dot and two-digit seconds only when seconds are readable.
1.57
